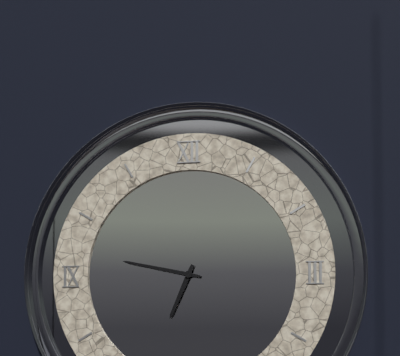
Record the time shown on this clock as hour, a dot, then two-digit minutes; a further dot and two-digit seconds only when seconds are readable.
6.47
